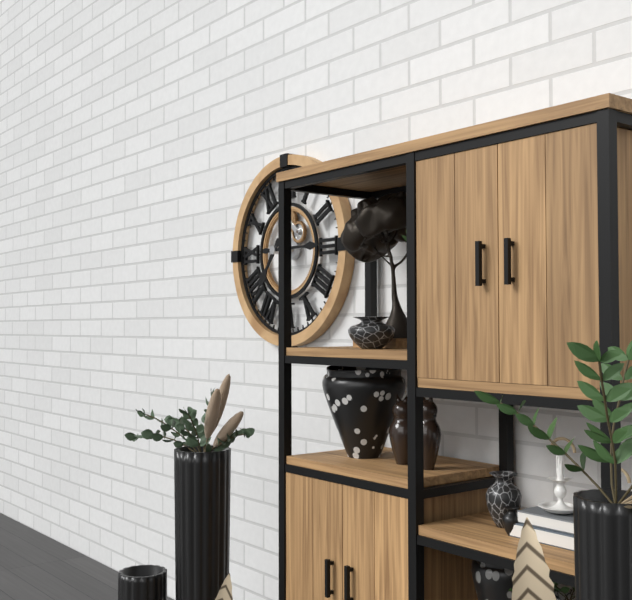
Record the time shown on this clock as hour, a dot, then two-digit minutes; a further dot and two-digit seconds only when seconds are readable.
7.15
